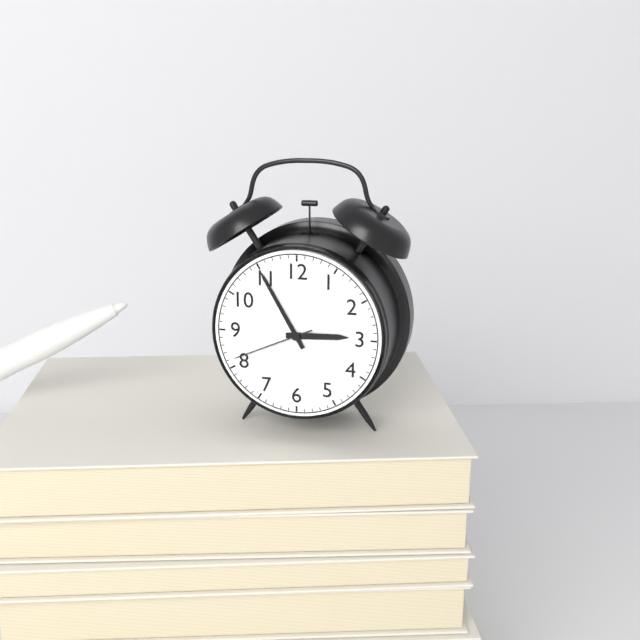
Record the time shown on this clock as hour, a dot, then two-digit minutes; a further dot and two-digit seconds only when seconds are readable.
2.55.41
